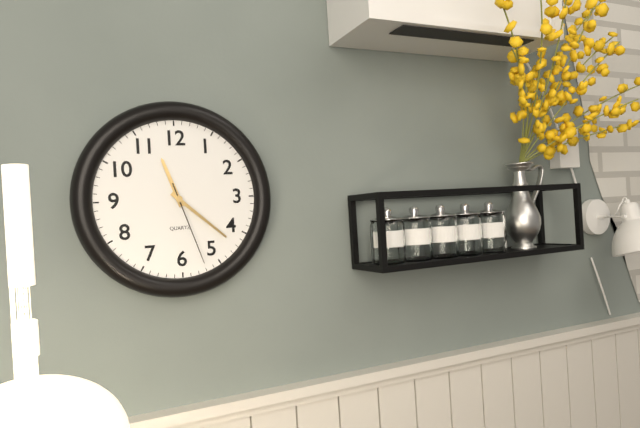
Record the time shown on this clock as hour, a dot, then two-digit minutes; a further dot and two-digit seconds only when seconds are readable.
11.22.27
